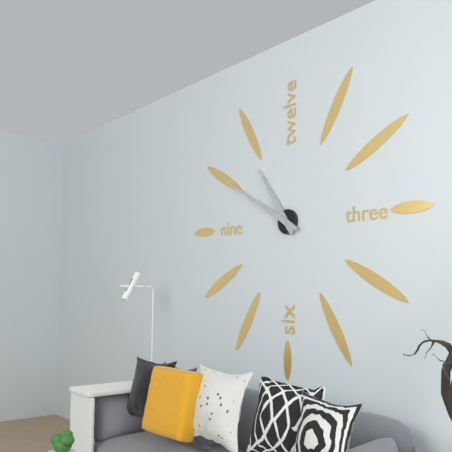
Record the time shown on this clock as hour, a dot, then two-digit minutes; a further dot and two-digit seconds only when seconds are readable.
10.50
